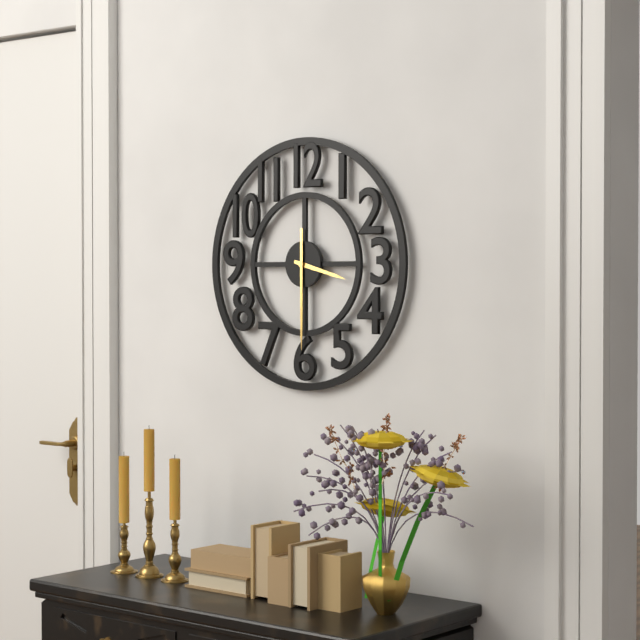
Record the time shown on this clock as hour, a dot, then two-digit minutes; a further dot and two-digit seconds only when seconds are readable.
3.30
